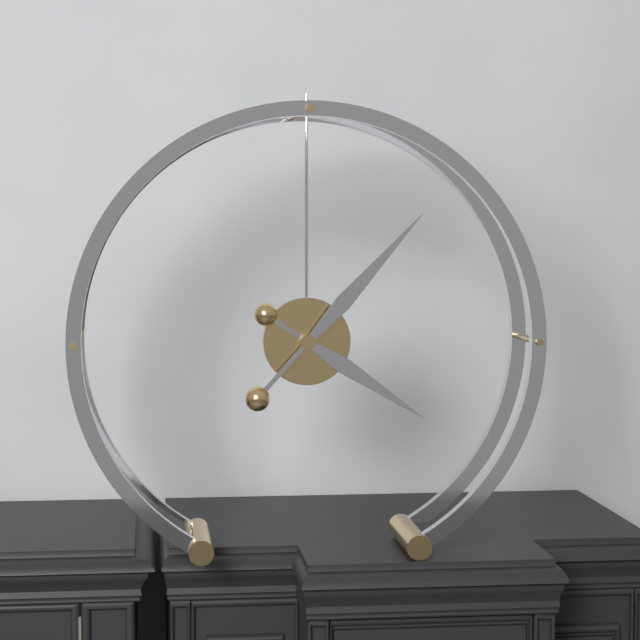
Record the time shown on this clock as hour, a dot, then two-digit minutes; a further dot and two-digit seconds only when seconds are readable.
4.07
